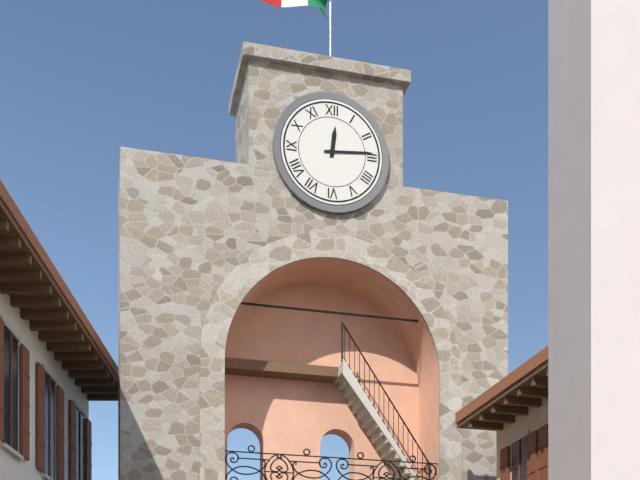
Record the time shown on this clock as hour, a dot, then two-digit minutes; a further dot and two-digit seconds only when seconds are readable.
12.14
